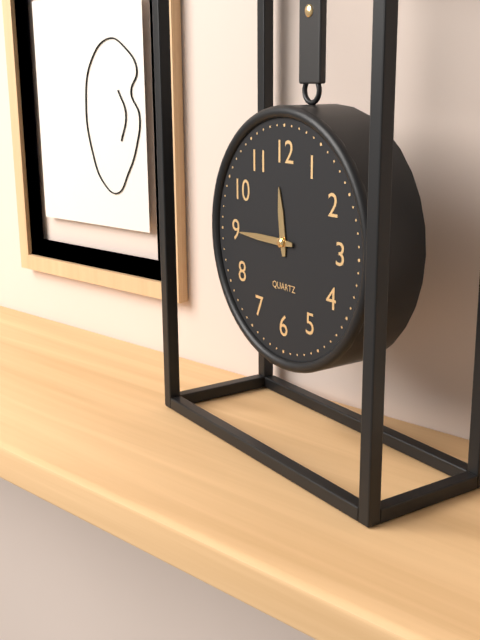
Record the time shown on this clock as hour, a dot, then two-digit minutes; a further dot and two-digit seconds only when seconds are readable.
11.45
